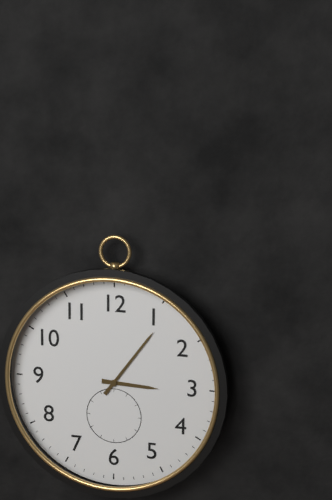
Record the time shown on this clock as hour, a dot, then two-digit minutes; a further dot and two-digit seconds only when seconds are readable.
3.06
